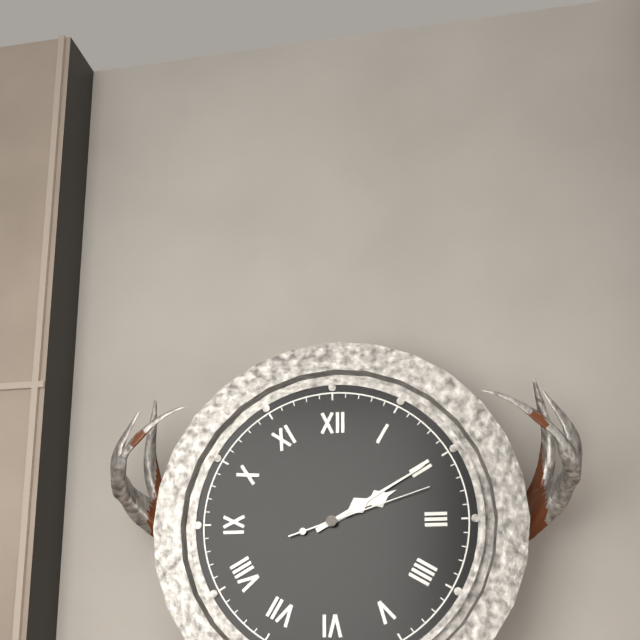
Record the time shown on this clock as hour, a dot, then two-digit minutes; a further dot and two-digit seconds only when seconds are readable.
2.10.12
